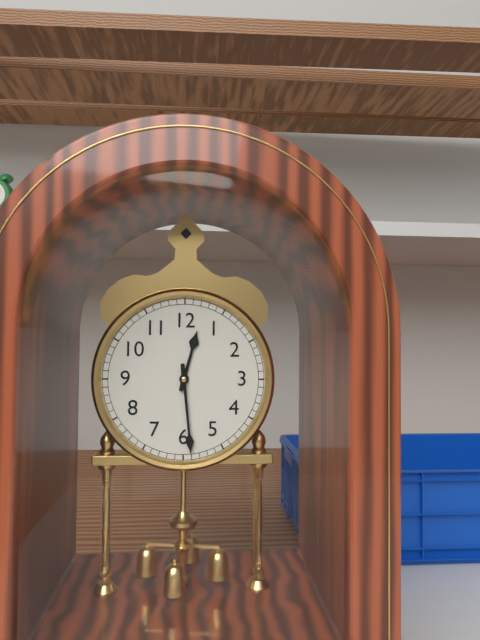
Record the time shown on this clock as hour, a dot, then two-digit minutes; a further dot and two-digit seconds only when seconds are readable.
12.29
